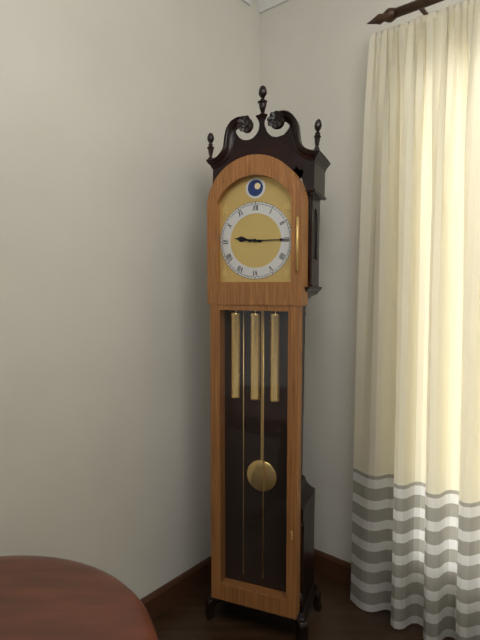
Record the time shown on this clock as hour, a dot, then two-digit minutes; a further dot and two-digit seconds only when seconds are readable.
9.15
